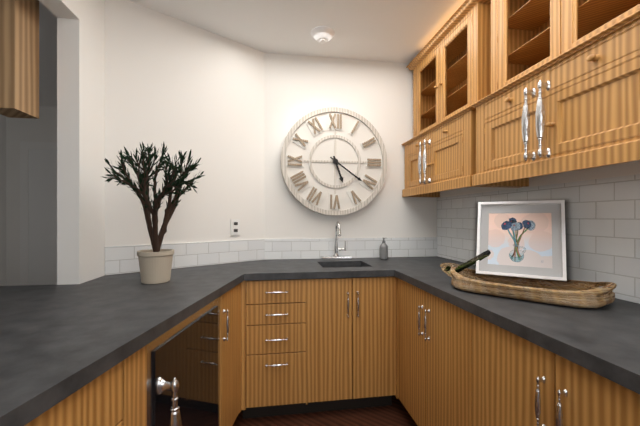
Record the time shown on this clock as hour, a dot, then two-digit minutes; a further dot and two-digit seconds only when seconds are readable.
5.21
